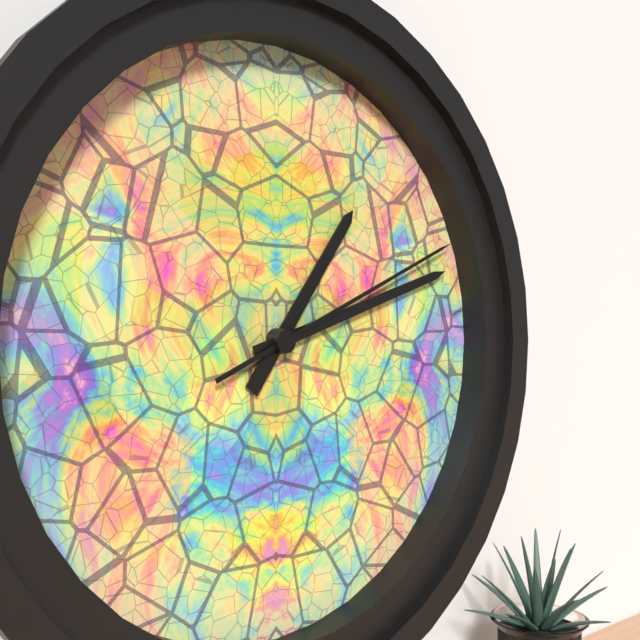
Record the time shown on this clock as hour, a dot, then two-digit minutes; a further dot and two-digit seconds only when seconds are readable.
1.12.11
